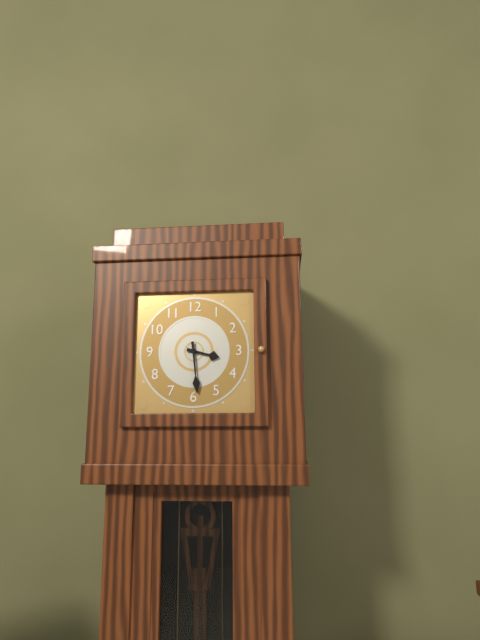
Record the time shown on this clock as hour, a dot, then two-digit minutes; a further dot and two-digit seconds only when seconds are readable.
3.29
